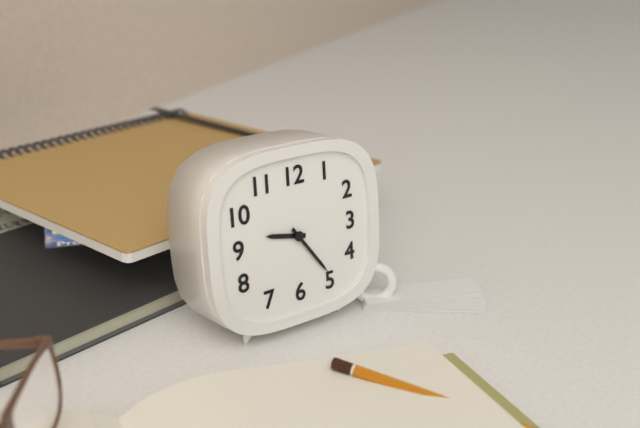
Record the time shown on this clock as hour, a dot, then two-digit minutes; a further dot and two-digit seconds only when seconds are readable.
9.24
